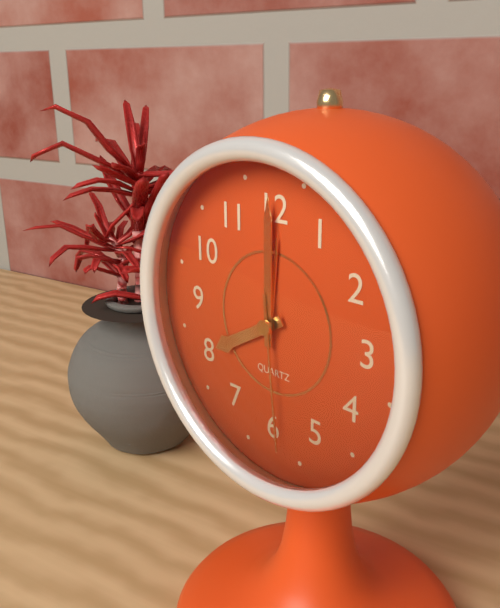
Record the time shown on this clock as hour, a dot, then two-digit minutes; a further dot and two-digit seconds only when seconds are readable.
8.00.29
